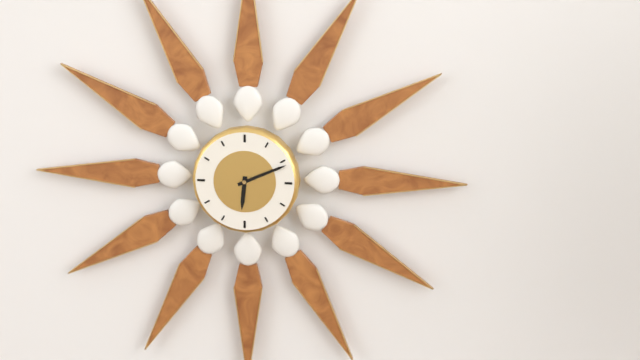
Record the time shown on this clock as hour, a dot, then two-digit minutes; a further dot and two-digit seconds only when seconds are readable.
6.11
